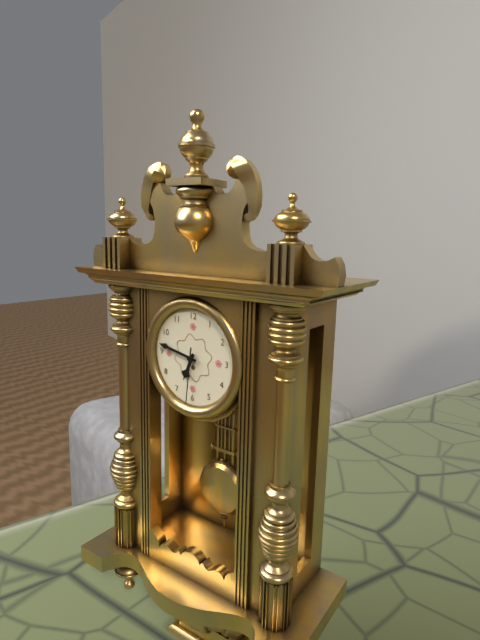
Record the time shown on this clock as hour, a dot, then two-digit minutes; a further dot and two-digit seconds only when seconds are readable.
6.47.31
